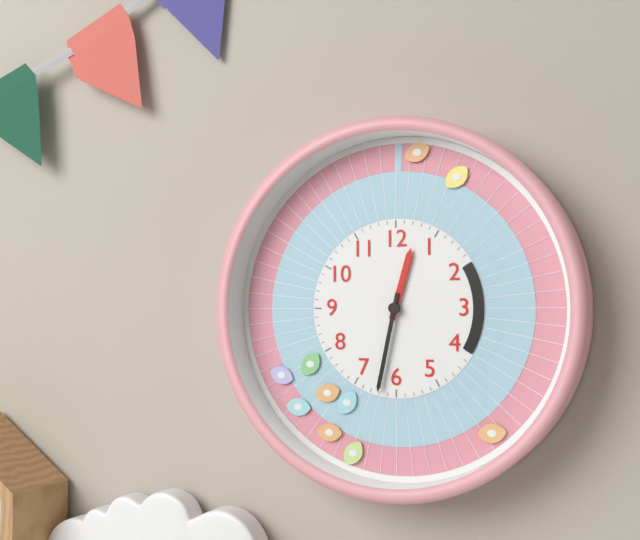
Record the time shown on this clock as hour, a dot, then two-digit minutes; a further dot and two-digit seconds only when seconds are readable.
12.32
